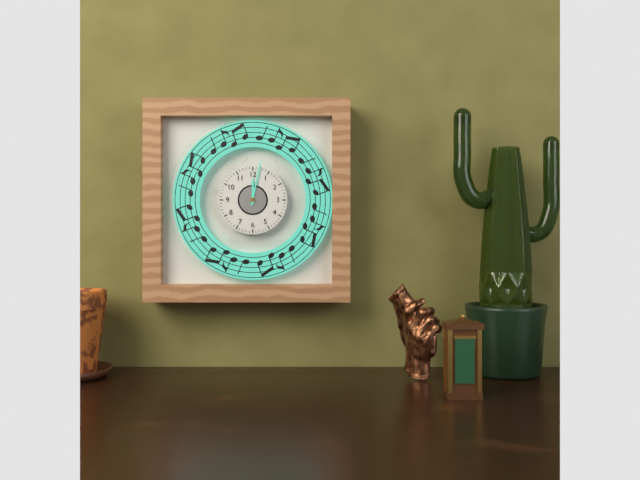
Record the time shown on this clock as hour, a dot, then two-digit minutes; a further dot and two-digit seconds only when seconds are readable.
12.02
